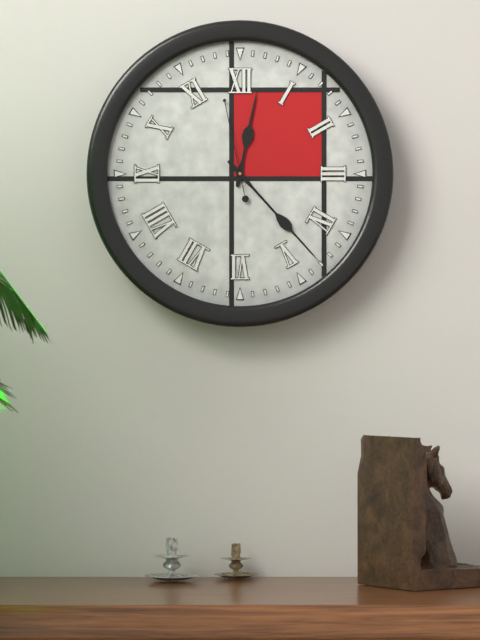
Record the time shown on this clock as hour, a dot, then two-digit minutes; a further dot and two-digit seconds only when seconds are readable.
12.23.58
